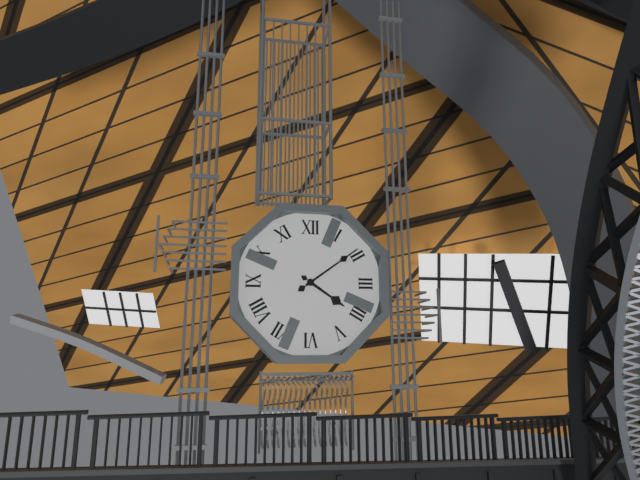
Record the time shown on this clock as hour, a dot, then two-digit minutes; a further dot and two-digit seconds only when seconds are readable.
4.09
